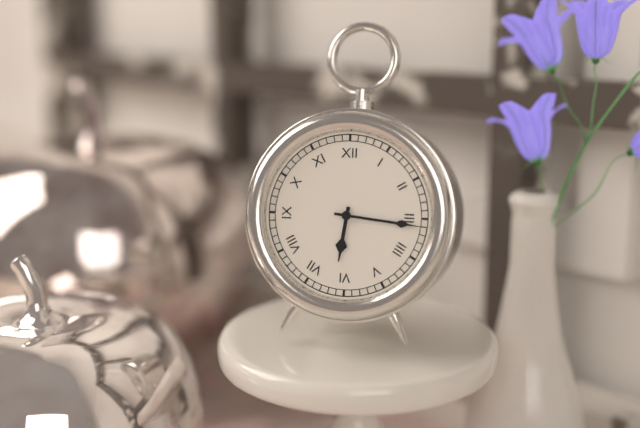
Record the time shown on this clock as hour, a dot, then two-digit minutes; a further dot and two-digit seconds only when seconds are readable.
6.16
